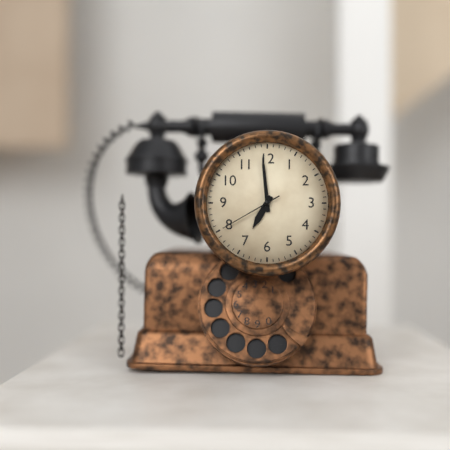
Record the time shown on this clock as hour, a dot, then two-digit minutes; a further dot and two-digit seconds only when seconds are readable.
6.59.40
